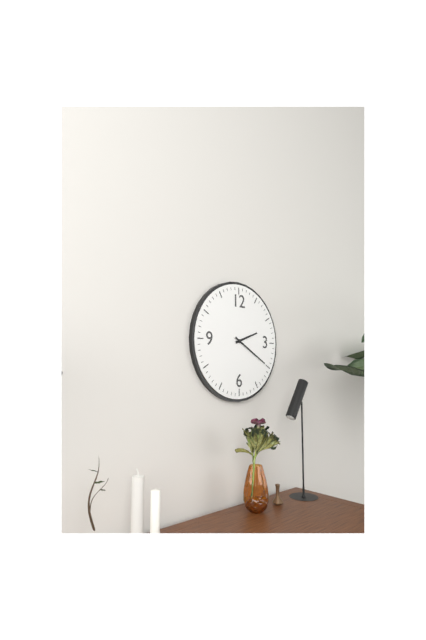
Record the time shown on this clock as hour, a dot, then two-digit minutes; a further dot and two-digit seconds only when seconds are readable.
2.20
